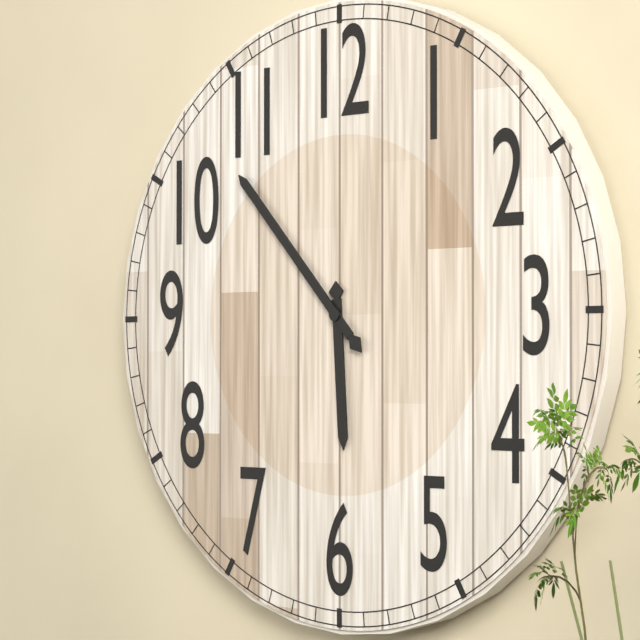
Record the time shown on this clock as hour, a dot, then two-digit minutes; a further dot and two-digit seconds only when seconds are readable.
5.53
